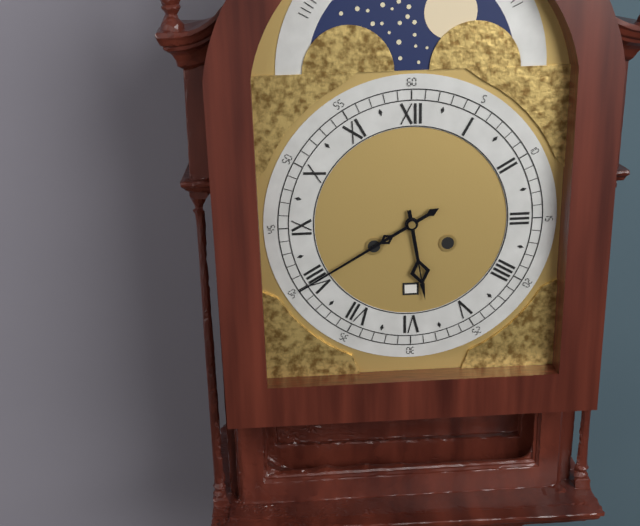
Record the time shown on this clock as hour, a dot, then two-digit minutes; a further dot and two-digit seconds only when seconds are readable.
5.40
